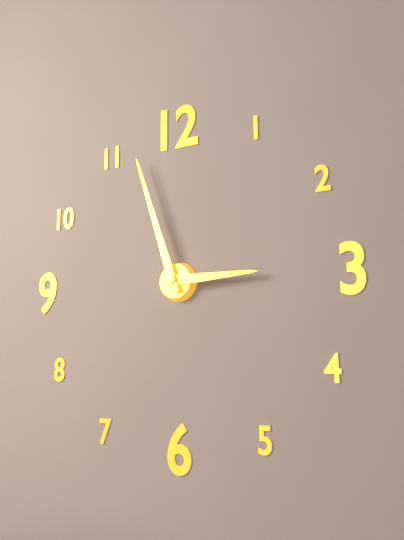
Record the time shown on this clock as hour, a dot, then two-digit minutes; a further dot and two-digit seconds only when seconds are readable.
2.57
